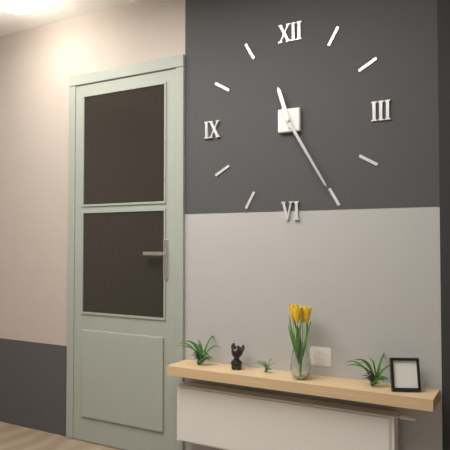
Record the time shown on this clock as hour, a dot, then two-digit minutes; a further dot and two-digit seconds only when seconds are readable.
11.25
